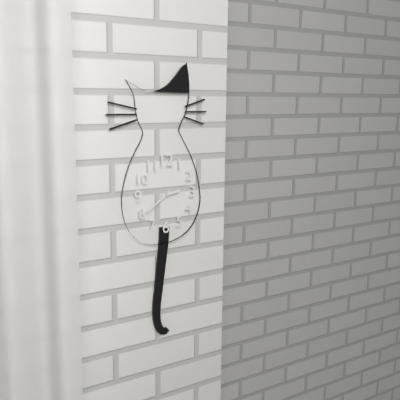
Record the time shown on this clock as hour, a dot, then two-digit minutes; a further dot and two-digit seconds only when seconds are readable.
2.39
